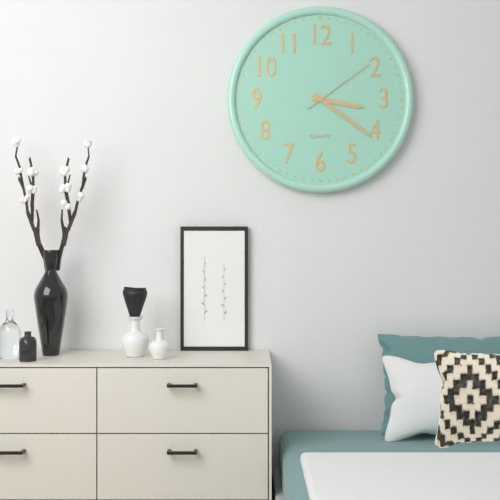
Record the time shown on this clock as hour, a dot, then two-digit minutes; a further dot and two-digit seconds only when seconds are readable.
3.21.09
